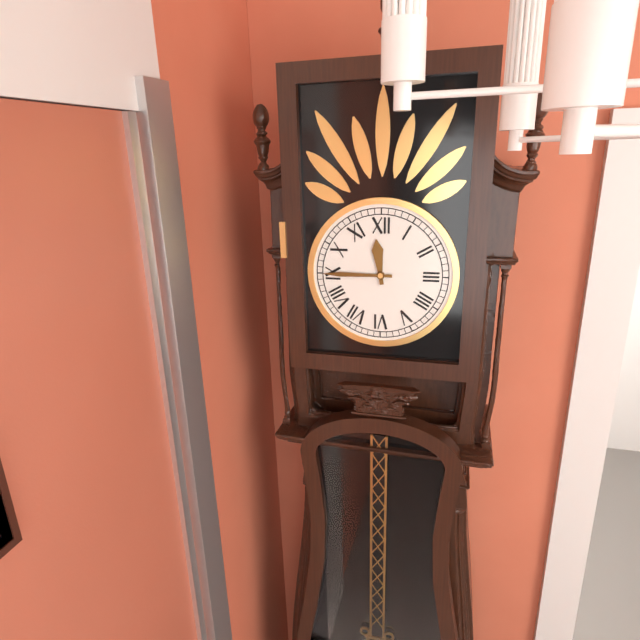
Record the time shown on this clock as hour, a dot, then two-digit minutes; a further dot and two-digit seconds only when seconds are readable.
11.45
